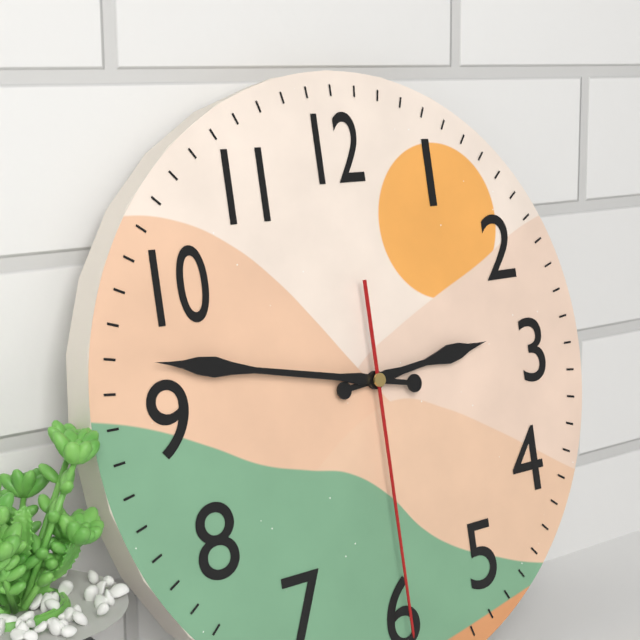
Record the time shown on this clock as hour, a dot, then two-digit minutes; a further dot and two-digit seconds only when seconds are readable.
2.47.30
